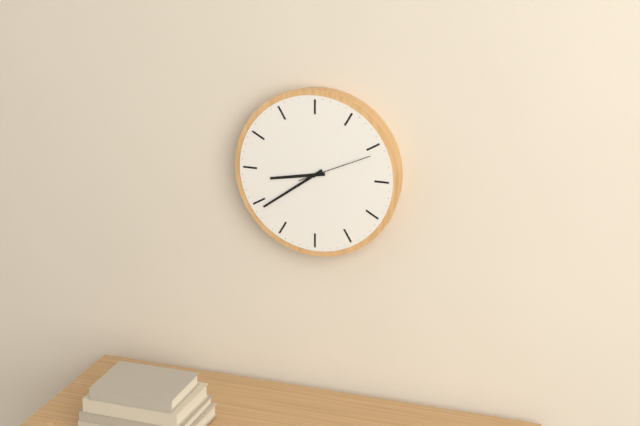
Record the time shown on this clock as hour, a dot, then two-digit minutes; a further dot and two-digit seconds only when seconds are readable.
8.39.11
